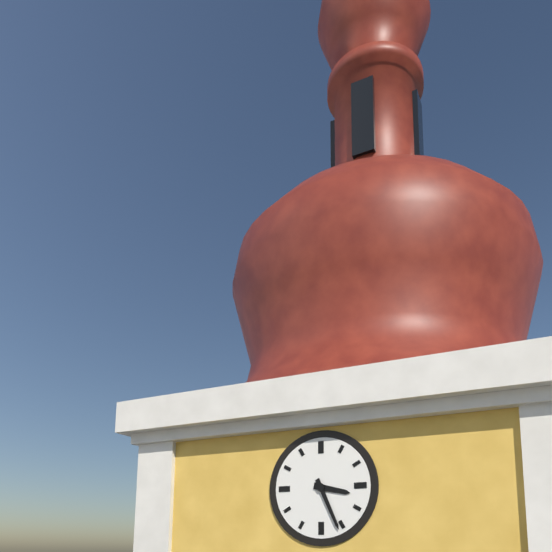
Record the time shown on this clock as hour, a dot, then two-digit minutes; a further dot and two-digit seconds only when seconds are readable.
3.26
